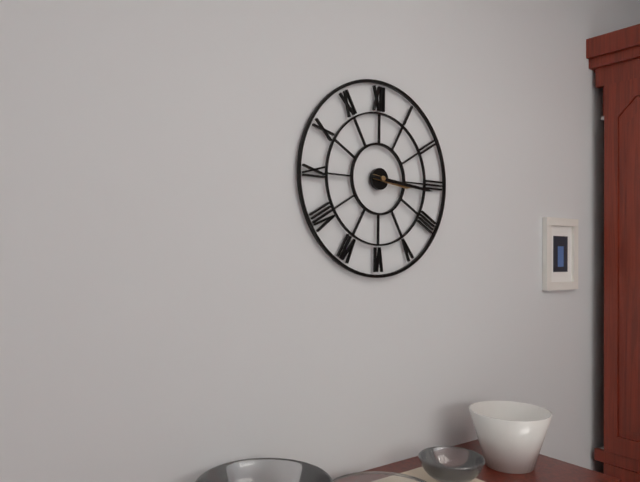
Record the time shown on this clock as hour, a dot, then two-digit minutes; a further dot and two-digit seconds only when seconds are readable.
3.16
